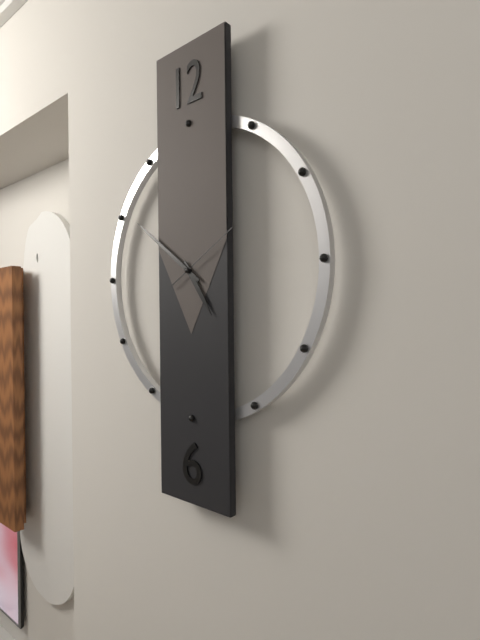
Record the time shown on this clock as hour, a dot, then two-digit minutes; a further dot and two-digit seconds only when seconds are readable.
4.51.10
